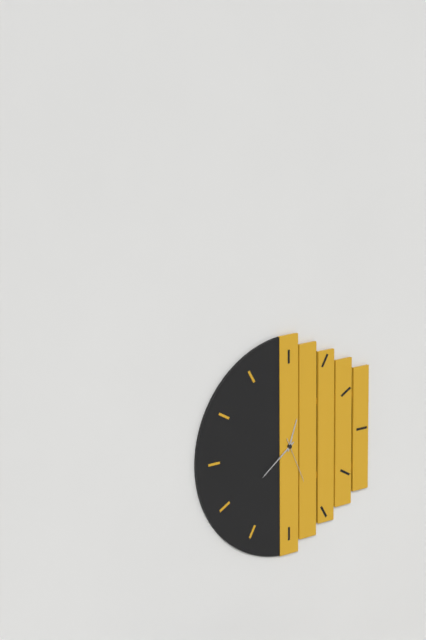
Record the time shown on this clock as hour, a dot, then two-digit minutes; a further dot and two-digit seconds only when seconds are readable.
12.39.26
